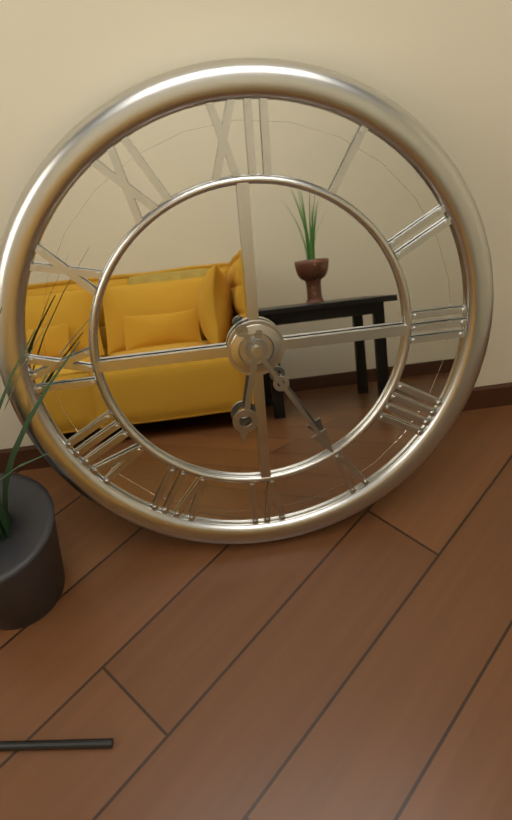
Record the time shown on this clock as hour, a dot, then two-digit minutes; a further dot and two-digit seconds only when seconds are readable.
6.25
